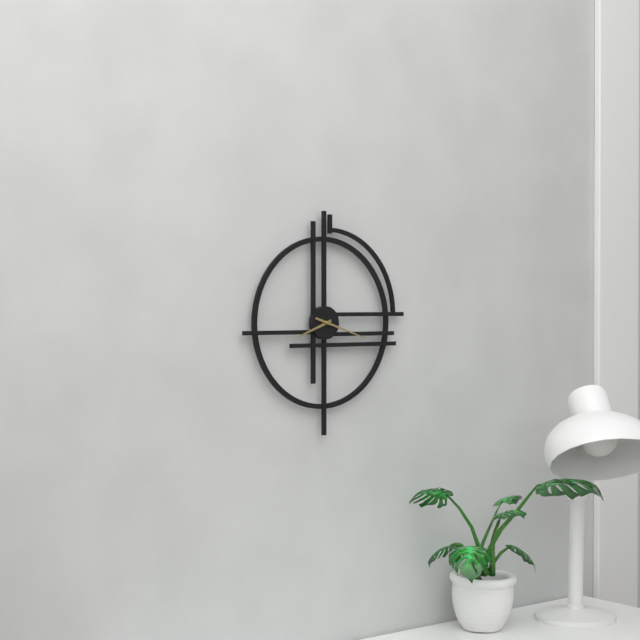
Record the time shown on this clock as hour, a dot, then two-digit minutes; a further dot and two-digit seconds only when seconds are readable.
8.18
